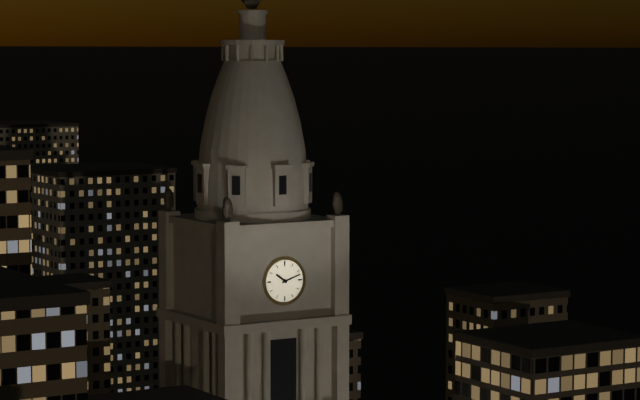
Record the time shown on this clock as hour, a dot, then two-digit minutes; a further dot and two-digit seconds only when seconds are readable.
10.12
